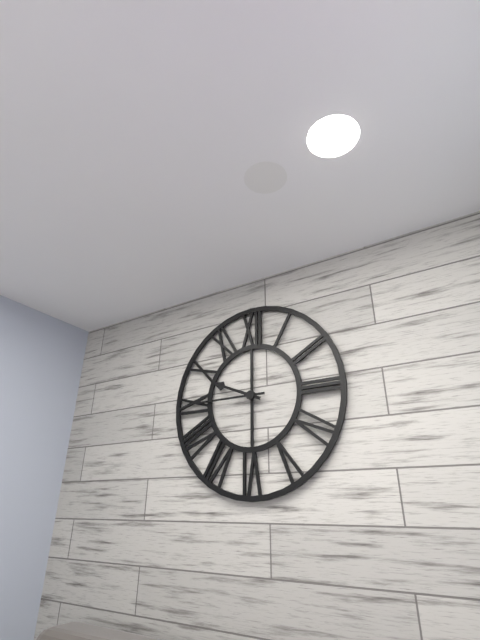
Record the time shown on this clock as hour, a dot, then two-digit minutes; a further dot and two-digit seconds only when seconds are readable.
9.45
